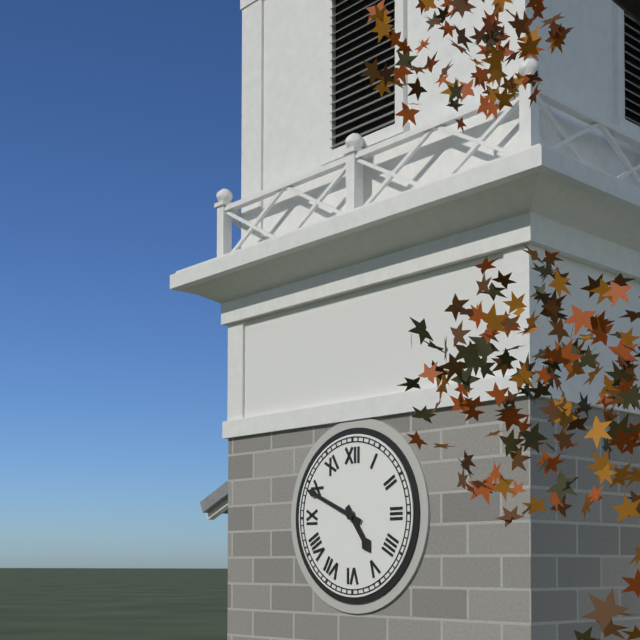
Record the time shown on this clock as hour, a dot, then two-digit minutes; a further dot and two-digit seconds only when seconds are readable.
4.49
